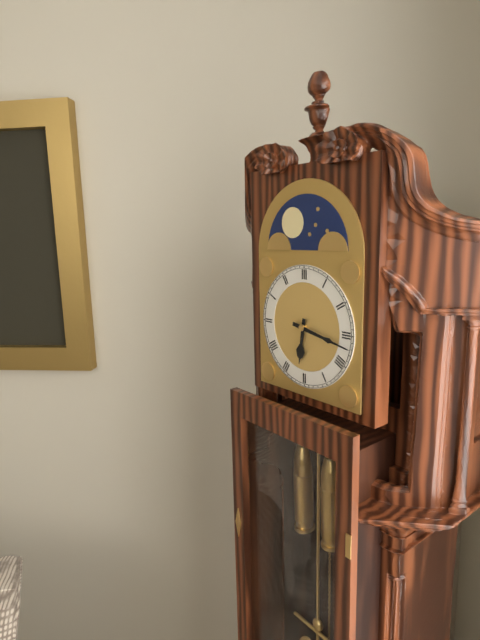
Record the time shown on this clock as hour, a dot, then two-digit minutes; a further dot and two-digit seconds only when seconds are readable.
6.17
